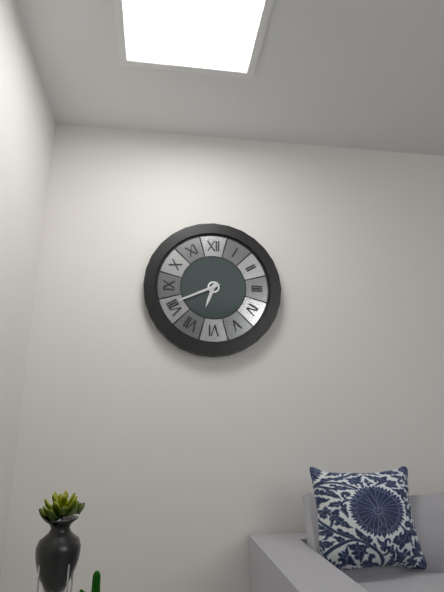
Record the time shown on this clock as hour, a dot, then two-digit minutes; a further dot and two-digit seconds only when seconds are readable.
6.41
